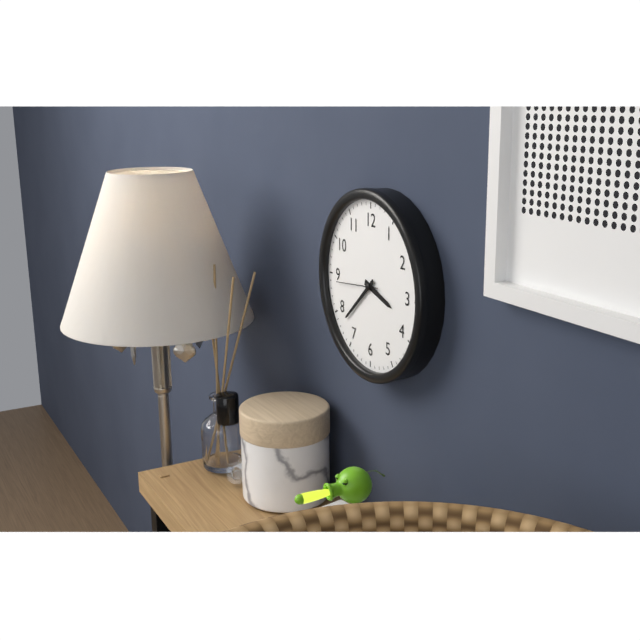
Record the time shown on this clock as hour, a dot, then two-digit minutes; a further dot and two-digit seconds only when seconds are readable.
3.38
